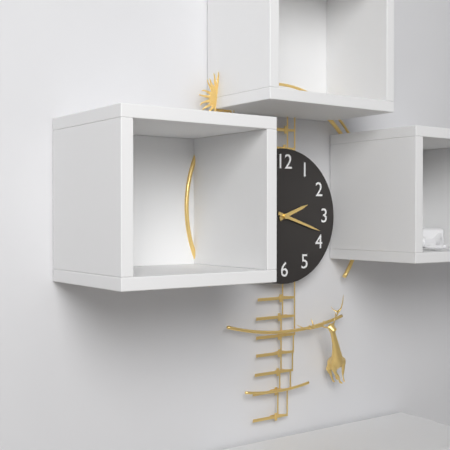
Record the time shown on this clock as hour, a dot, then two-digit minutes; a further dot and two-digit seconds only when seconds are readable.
2.18
